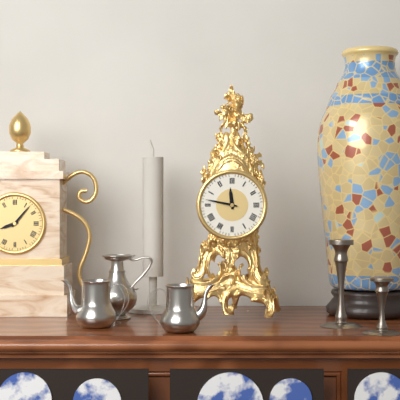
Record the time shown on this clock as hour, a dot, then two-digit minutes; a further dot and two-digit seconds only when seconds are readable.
11.47
